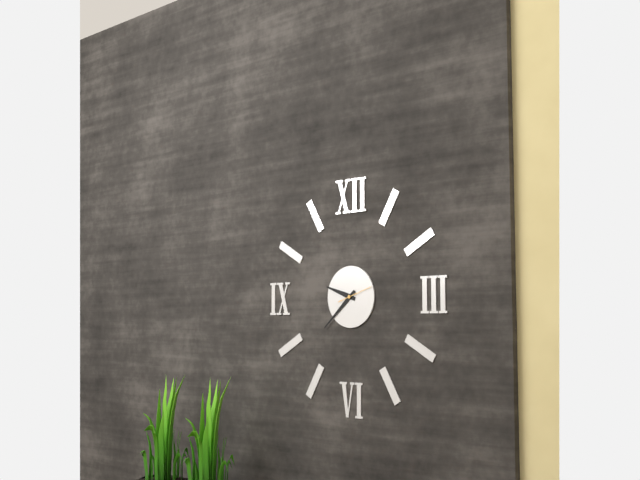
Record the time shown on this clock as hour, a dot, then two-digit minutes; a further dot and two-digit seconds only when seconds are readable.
9.38
